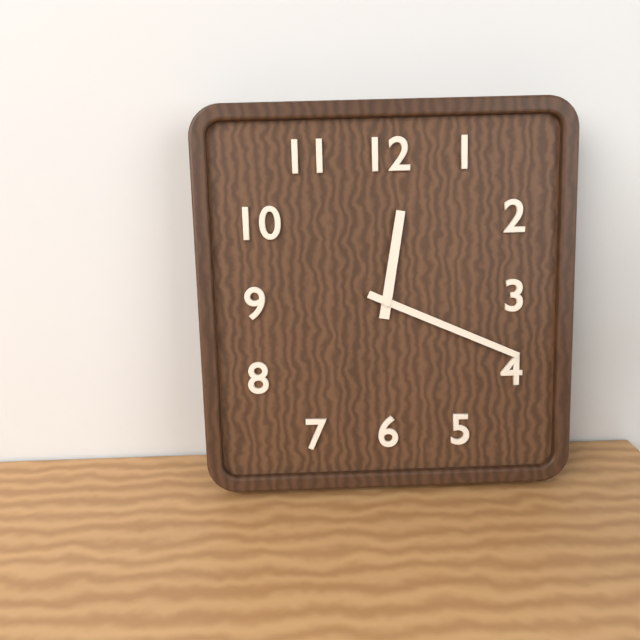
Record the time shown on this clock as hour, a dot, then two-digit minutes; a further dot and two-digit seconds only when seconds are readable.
12.19
